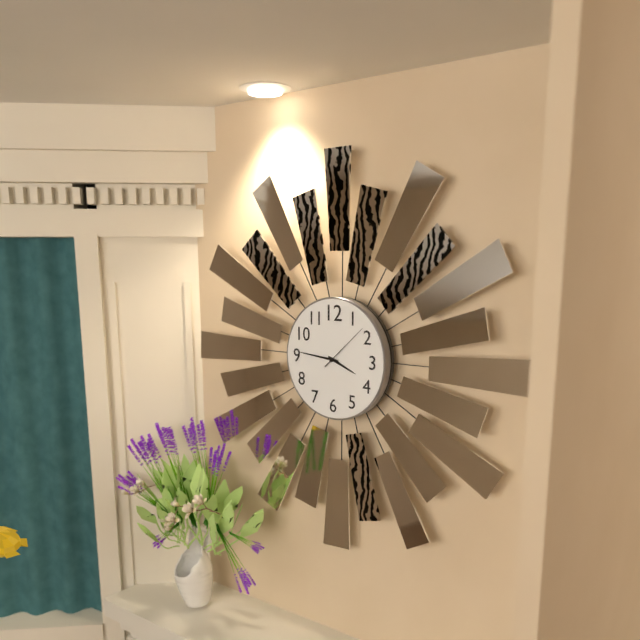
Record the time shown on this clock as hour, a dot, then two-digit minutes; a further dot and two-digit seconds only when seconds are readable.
3.46.08
